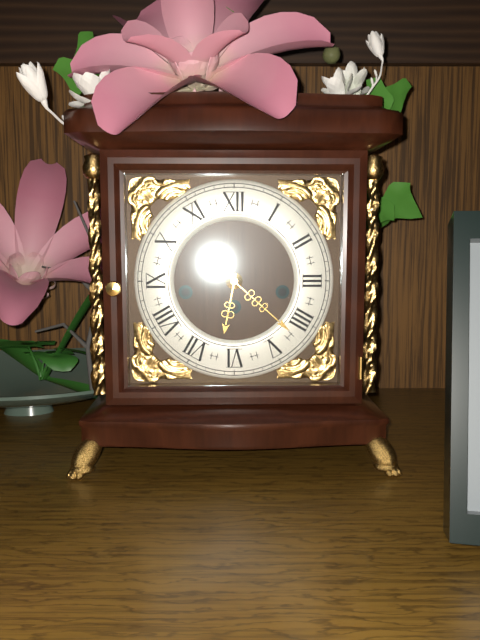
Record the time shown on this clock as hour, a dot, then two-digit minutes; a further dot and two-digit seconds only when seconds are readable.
6.22
